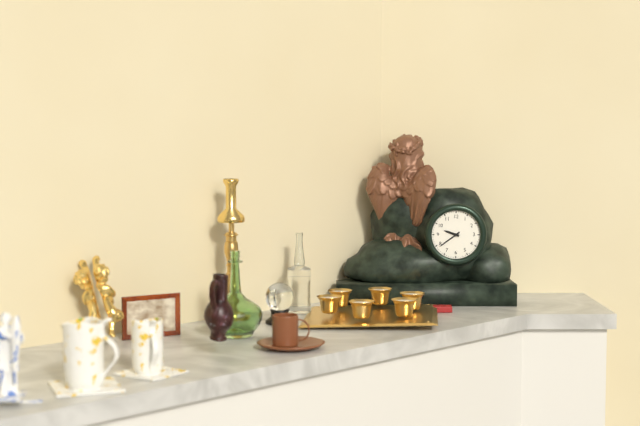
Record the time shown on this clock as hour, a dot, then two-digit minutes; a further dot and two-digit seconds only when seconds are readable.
9.39
